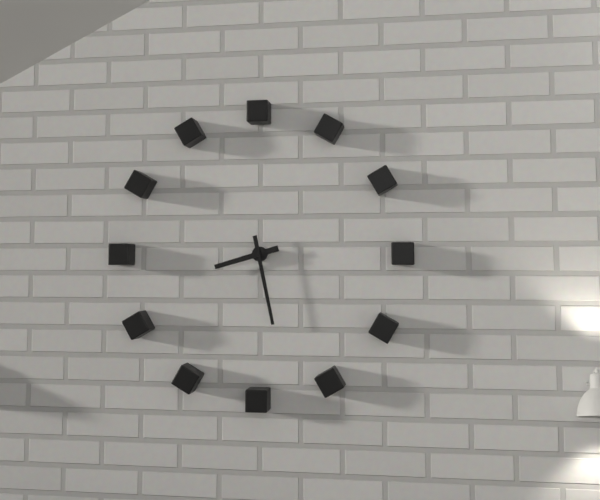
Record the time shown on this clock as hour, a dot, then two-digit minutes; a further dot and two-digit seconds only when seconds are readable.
8.28
